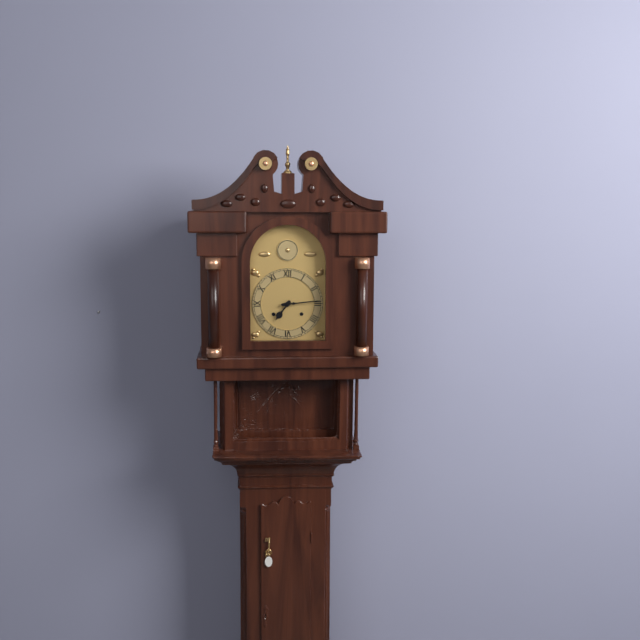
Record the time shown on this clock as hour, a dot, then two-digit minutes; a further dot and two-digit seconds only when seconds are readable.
7.14
